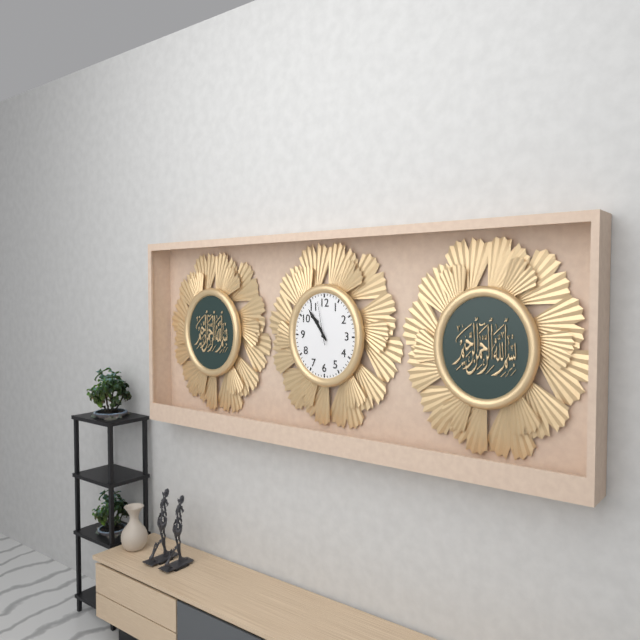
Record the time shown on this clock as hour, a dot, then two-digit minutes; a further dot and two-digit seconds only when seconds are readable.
10.54
